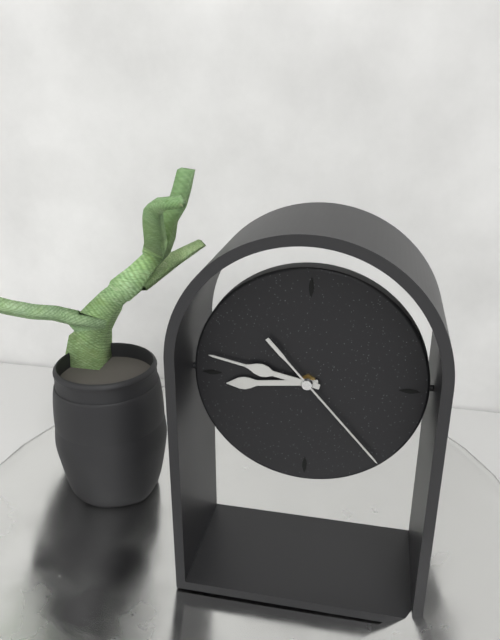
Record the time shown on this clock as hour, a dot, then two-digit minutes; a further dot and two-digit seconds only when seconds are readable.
8.47.23
